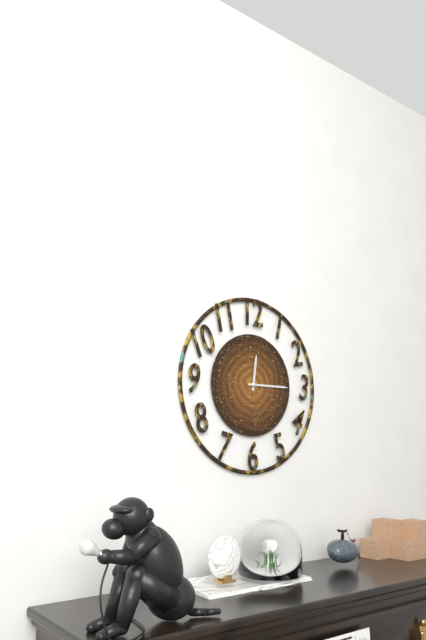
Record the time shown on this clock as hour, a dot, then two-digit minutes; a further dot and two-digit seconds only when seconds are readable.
12.15
